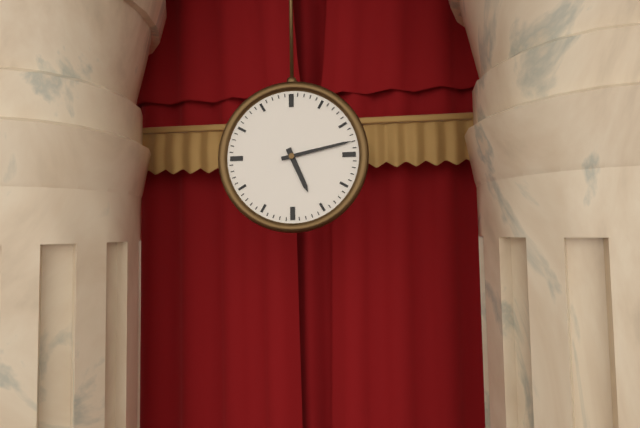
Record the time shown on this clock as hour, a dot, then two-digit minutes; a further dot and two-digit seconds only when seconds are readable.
5.13
